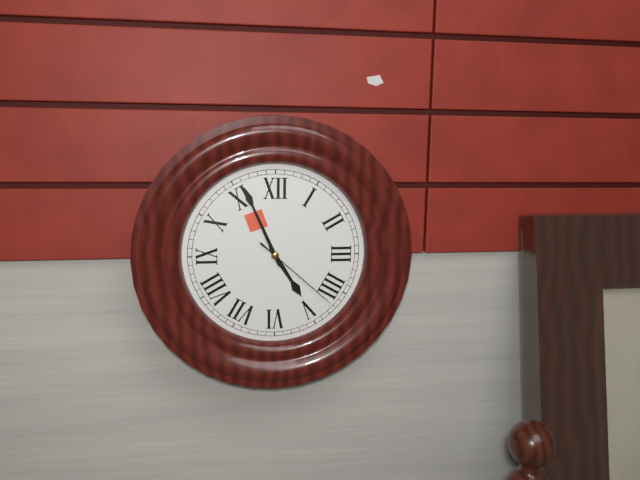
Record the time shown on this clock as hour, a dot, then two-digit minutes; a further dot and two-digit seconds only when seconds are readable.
4.56.22
